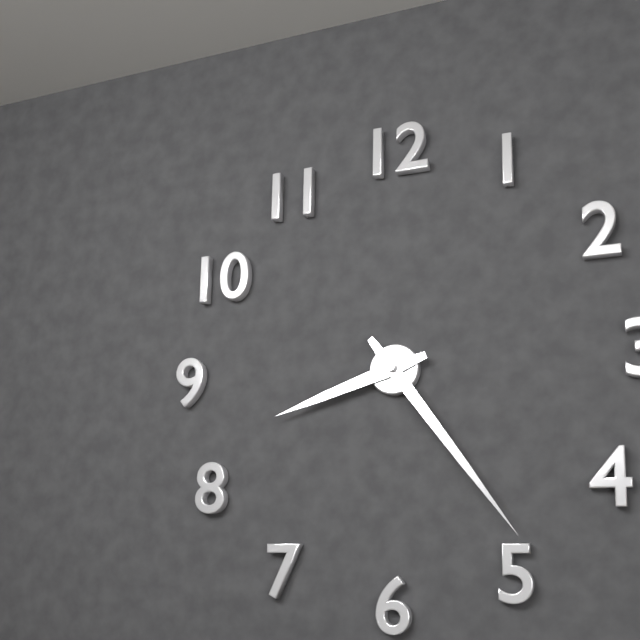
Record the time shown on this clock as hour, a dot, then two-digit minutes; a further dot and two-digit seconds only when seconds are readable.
8.24
